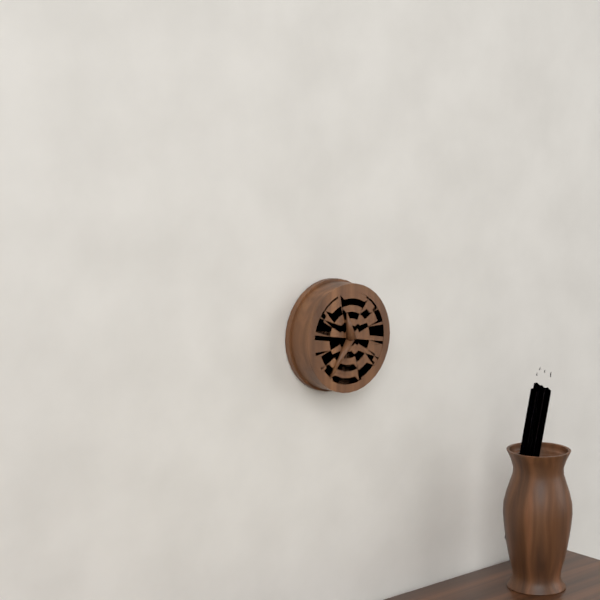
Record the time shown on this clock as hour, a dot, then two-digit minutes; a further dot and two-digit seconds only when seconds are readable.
11.36
